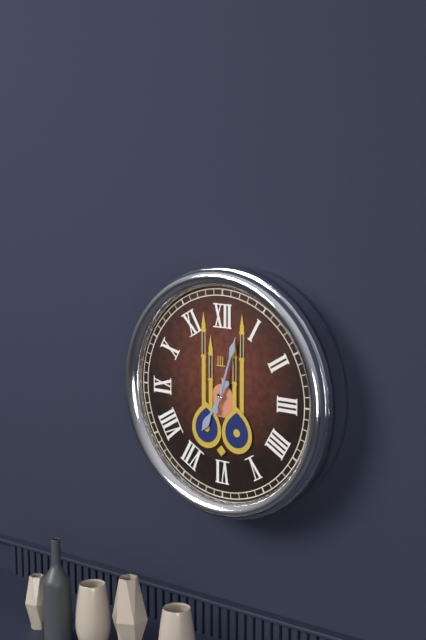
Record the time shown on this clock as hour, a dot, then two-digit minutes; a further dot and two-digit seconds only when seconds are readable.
7.03
